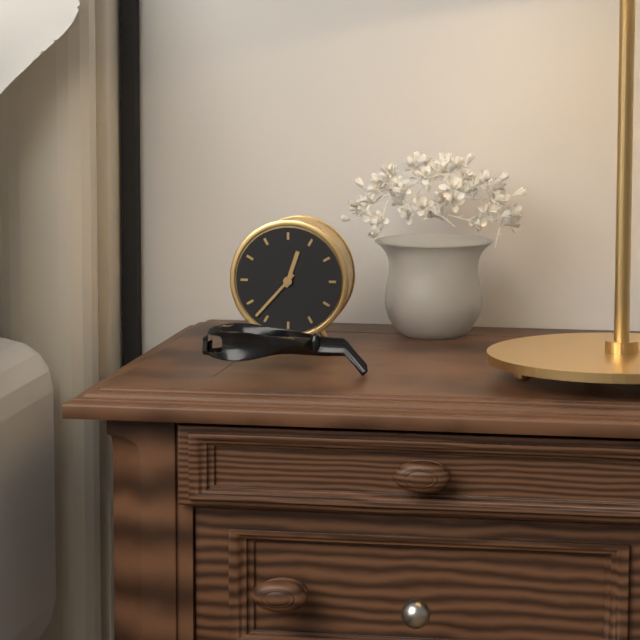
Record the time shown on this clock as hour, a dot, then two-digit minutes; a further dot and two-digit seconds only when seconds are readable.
12.37
